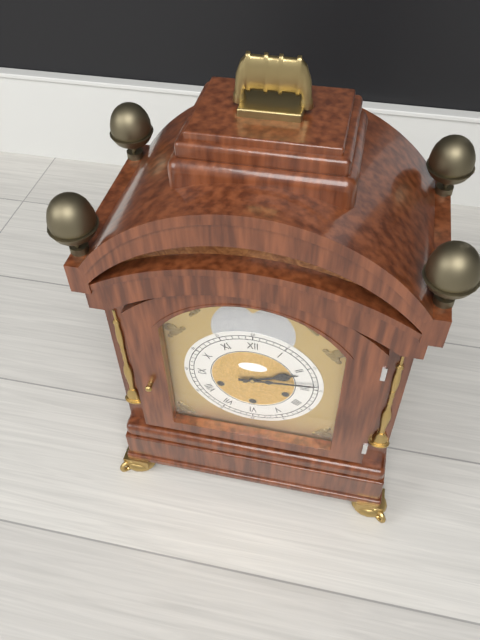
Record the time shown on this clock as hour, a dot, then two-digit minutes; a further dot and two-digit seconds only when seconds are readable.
2.14
